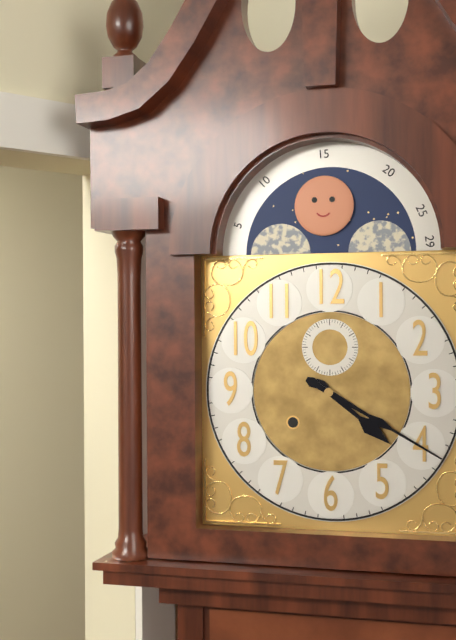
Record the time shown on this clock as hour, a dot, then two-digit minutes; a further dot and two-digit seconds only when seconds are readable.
4.20
